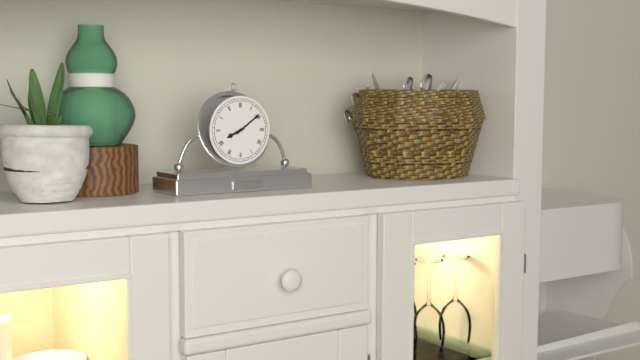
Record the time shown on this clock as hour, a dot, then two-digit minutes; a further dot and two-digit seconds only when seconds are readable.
8.09
